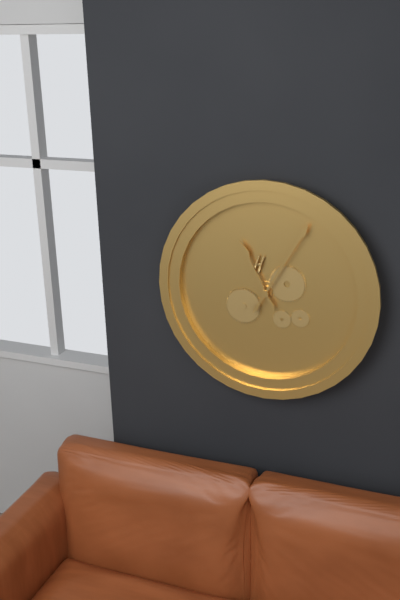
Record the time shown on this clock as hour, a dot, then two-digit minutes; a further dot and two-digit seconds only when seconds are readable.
11.05
